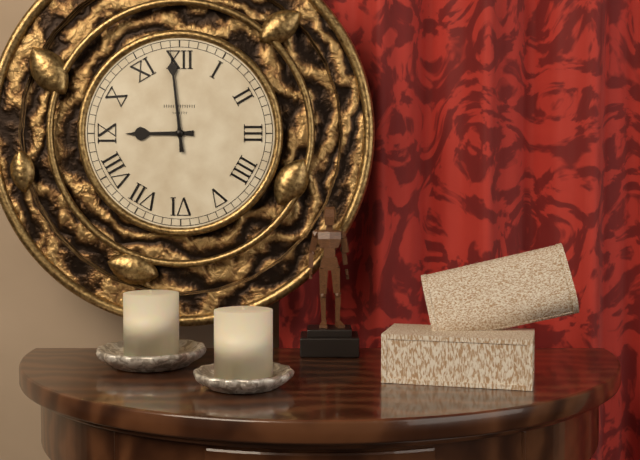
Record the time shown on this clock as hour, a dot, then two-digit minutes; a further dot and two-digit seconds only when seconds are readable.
8.59
